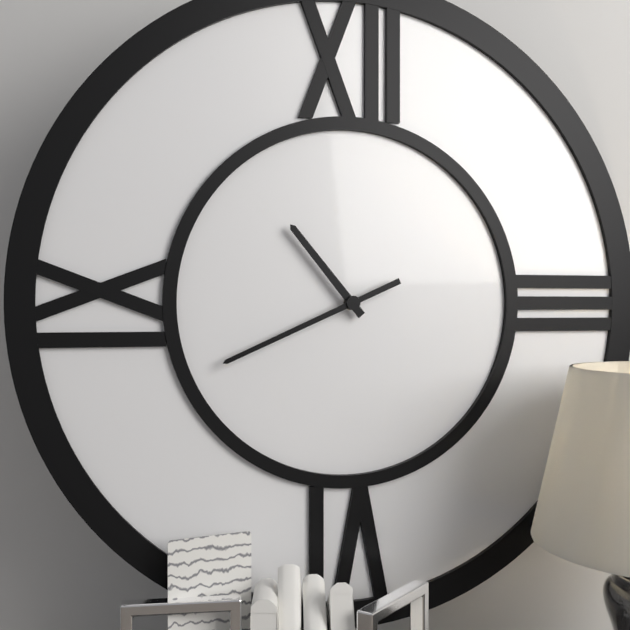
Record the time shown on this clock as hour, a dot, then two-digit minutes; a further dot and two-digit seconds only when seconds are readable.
10.41
